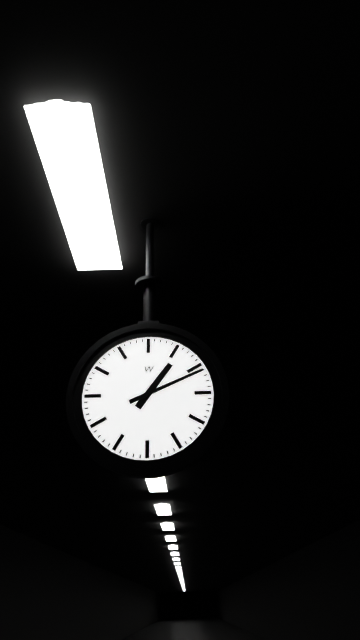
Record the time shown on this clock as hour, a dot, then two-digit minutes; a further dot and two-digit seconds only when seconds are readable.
1.11
